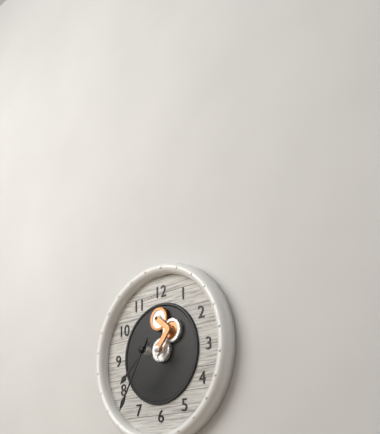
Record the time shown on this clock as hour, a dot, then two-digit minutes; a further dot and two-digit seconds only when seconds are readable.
7.35
